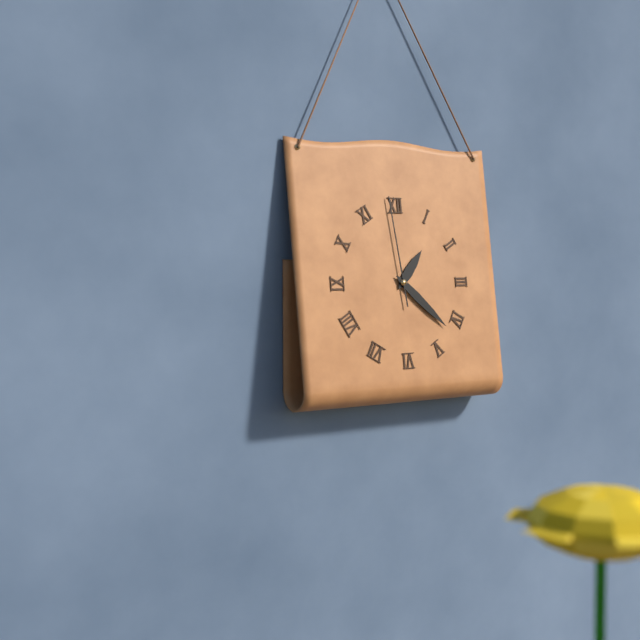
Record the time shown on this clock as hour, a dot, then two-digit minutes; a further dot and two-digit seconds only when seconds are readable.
1.22.59
